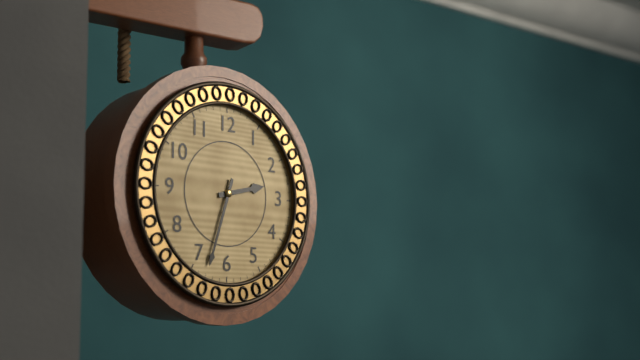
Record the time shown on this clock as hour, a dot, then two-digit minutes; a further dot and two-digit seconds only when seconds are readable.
2.33
